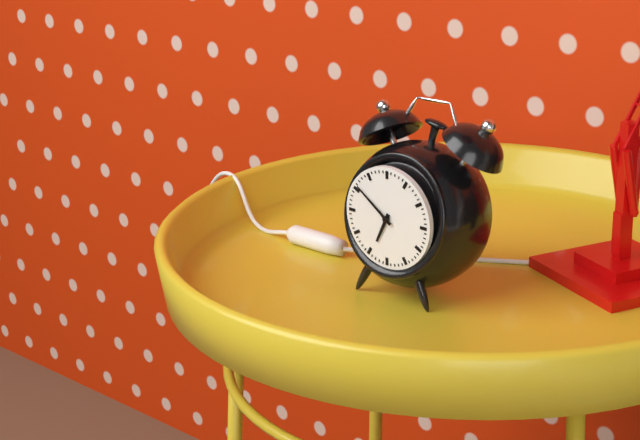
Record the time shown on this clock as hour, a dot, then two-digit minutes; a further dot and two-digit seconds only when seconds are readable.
6.51
